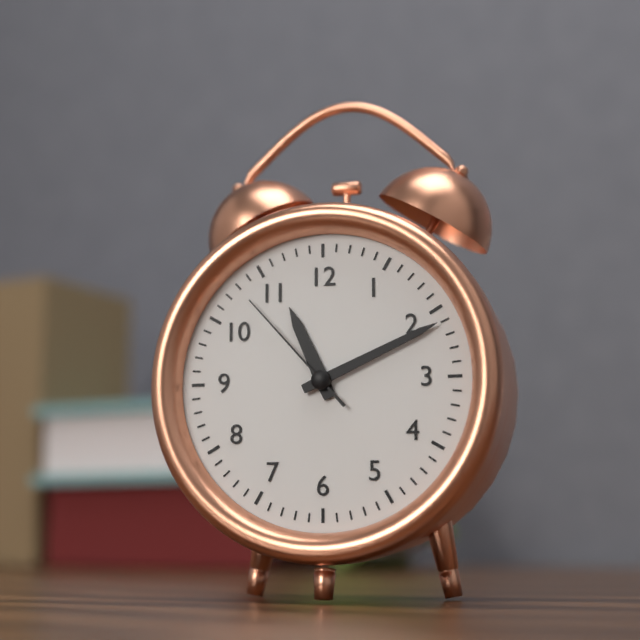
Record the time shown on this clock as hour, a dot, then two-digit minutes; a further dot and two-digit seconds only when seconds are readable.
11.11.53
